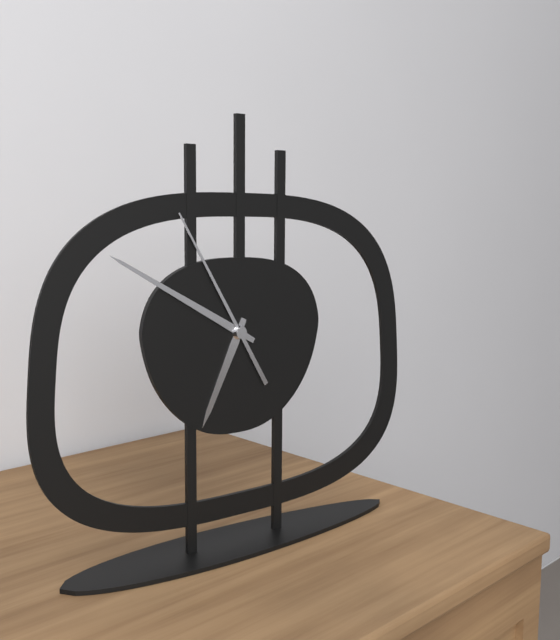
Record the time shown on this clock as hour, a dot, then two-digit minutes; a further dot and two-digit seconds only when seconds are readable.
6.50.55
